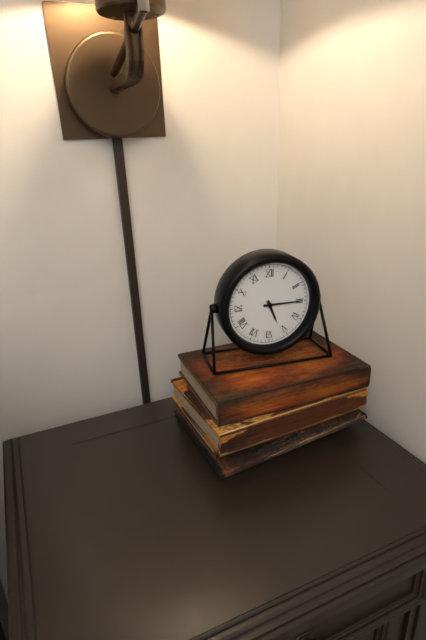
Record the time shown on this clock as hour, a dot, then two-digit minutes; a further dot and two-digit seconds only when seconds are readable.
5.15
